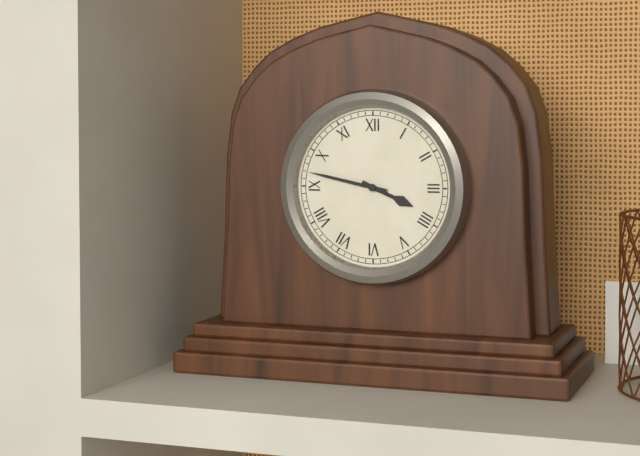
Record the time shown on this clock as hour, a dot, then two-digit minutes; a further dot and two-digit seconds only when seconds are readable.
3.47
